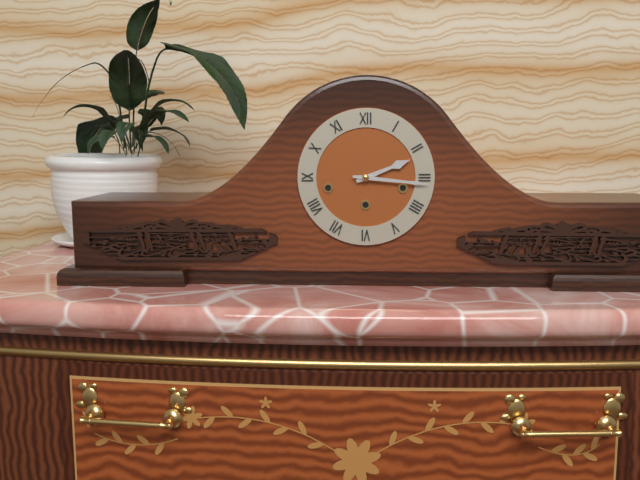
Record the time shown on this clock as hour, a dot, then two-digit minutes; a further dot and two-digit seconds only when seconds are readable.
2.16
